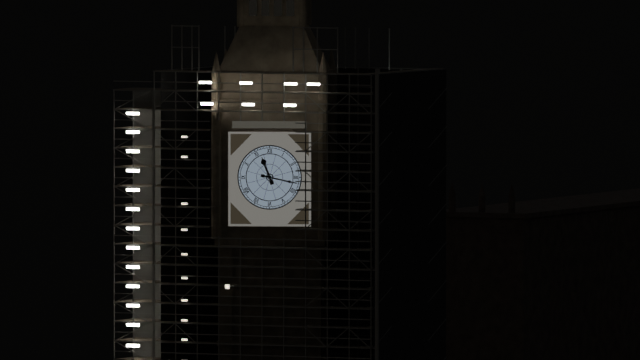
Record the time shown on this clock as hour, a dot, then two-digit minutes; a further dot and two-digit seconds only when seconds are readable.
11.17
